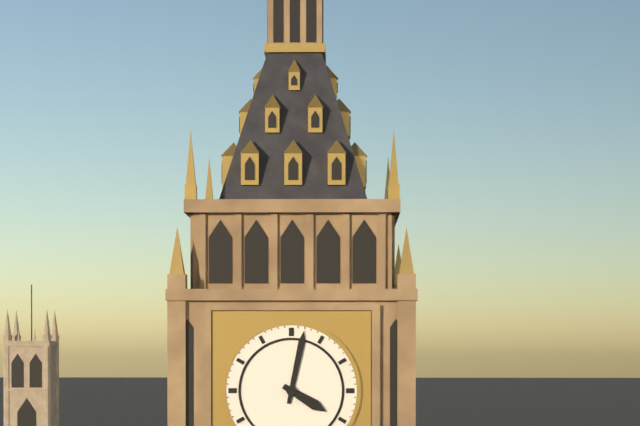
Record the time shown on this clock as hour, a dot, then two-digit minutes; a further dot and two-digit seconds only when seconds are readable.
4.02
